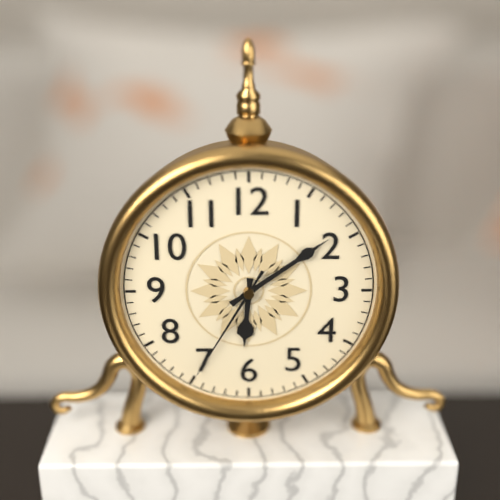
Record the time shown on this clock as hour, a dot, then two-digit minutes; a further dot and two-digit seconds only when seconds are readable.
6.09.35
